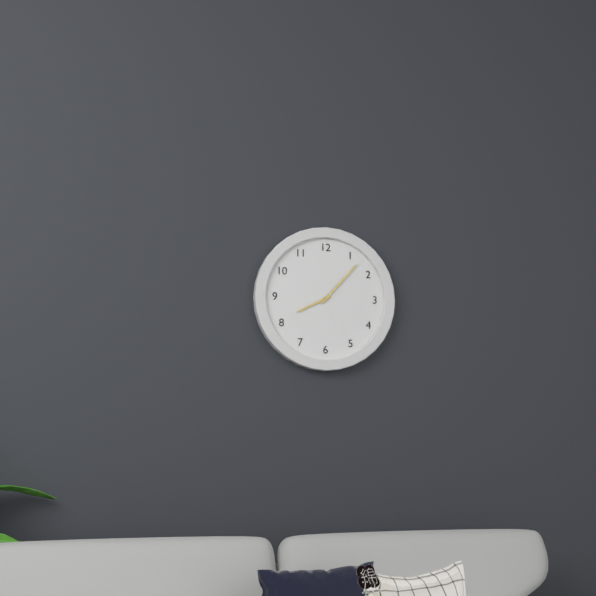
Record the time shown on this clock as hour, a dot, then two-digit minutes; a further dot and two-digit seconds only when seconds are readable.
8.07
